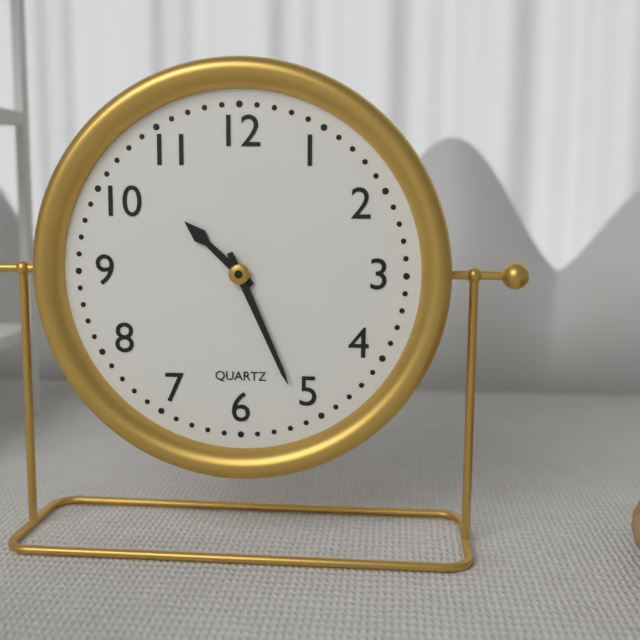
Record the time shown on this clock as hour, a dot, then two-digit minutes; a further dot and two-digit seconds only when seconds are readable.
10.26
